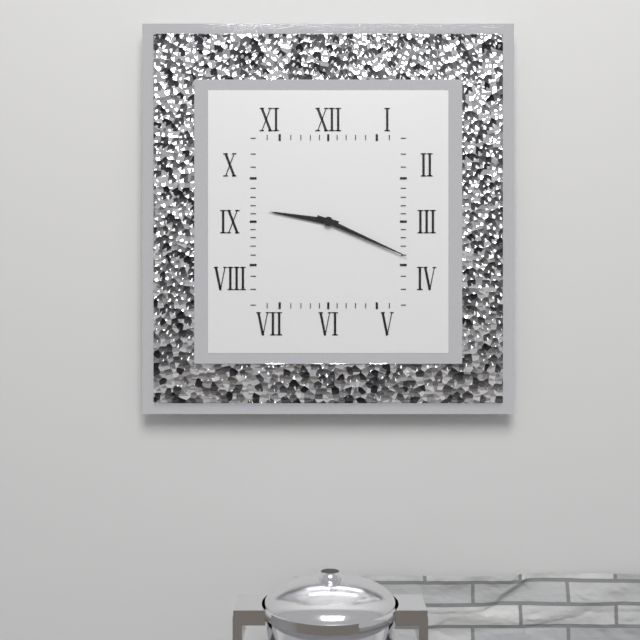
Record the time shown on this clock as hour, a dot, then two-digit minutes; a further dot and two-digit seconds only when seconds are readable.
9.19
